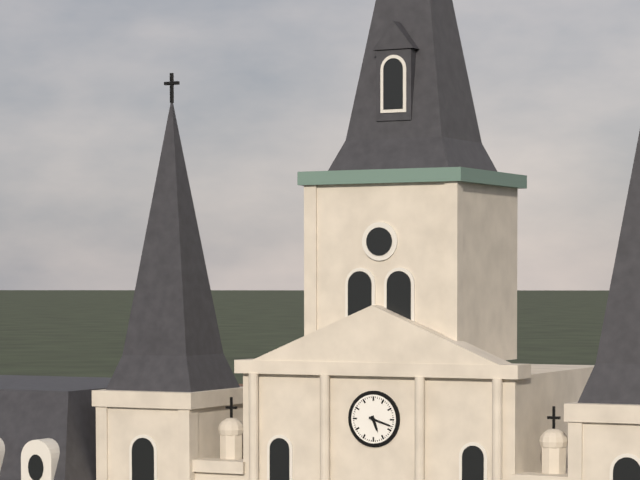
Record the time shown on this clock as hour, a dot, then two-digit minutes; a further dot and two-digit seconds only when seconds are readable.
5.18
